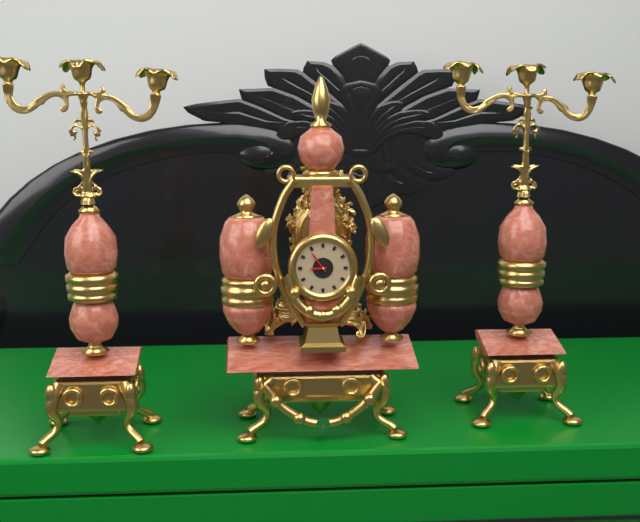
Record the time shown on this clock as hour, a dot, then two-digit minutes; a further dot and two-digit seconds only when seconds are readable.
8.54
